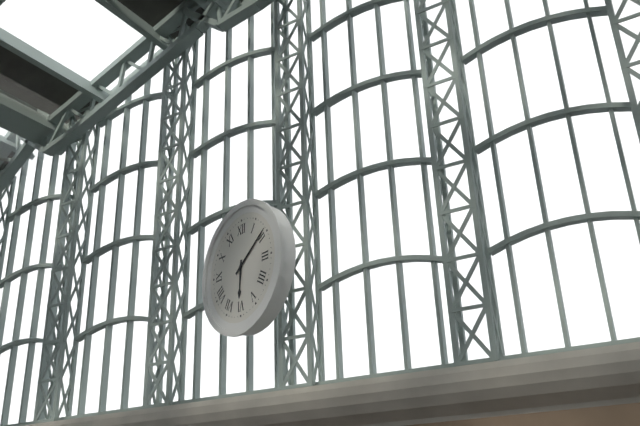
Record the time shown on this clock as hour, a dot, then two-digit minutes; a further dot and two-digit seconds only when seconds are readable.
6.09
